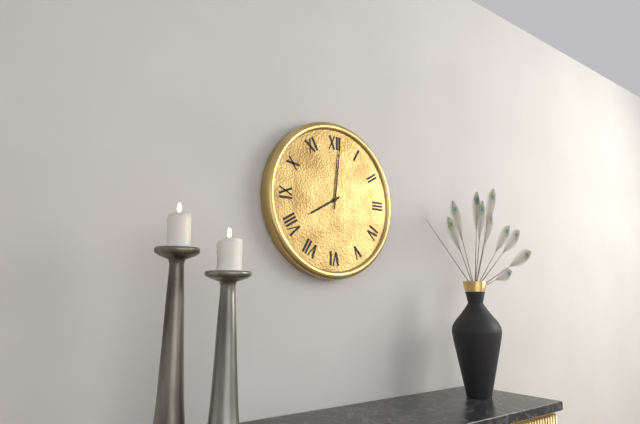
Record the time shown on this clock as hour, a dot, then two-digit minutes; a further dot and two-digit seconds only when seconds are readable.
8.01
